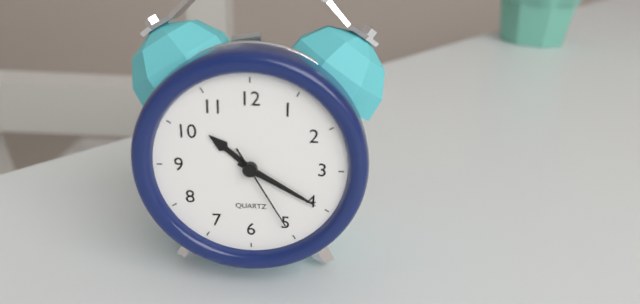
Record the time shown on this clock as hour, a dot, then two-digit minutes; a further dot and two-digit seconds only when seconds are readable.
10.20.25
